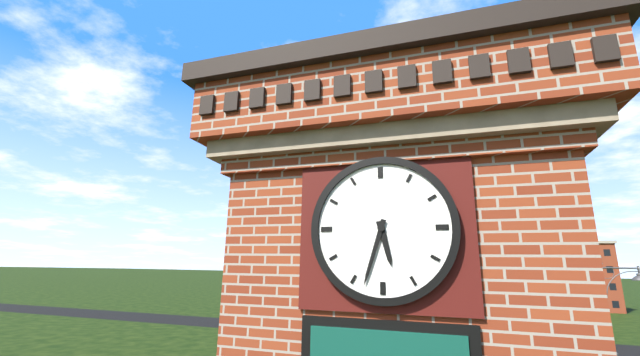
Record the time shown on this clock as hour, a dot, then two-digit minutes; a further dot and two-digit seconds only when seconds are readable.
5.33
